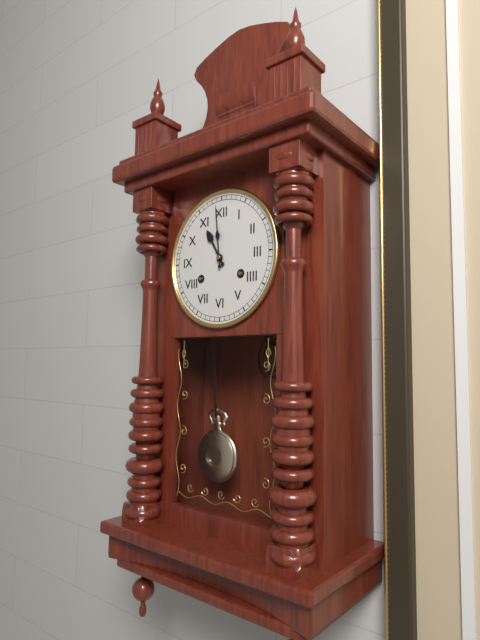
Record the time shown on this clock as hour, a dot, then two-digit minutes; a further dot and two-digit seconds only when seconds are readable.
10.59
